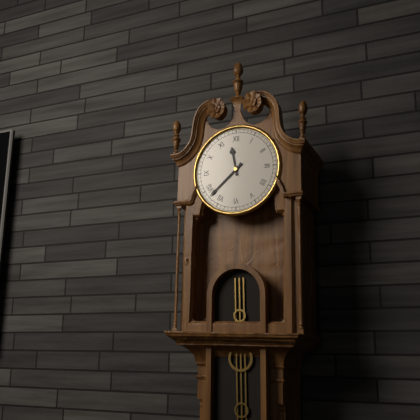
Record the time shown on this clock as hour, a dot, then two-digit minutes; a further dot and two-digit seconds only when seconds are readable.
11.38
